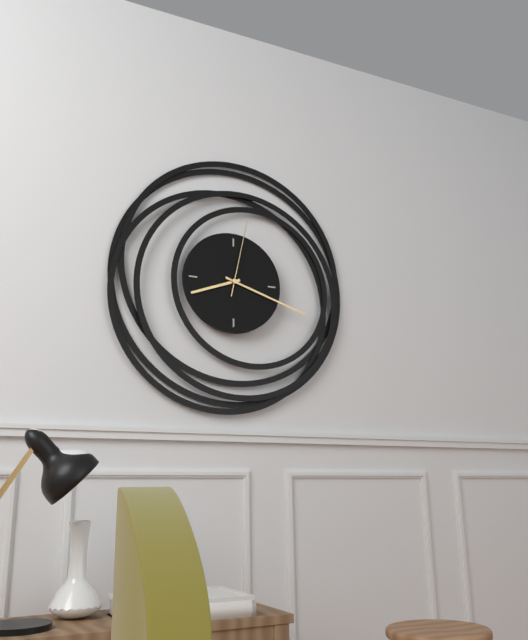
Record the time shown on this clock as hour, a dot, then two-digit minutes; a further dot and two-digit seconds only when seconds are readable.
8.18.02
